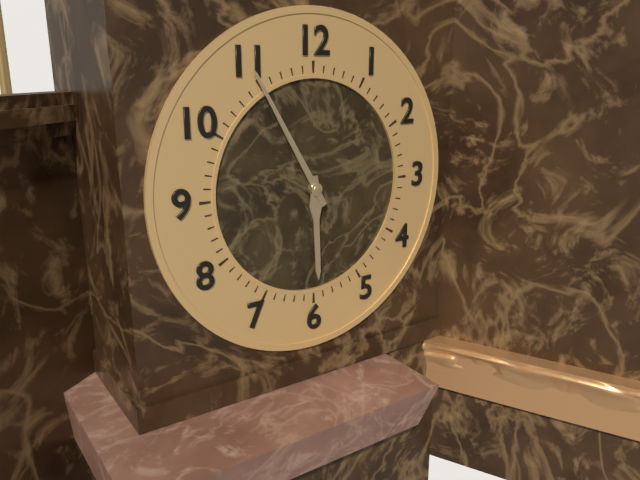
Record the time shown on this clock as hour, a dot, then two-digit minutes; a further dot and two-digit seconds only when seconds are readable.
5.55
